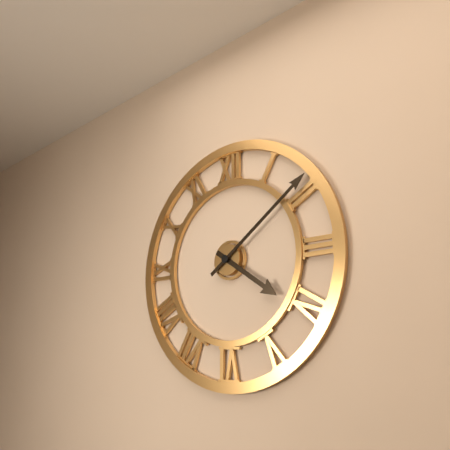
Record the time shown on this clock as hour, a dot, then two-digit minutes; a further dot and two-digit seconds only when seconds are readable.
4.09
